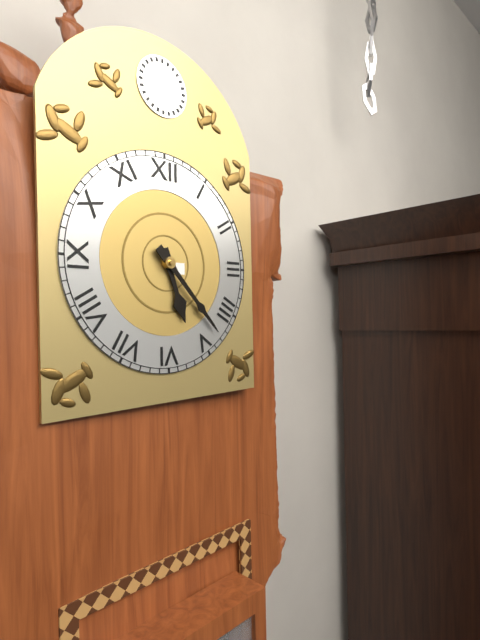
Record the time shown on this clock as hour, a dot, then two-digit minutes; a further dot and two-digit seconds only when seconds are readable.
5.23
